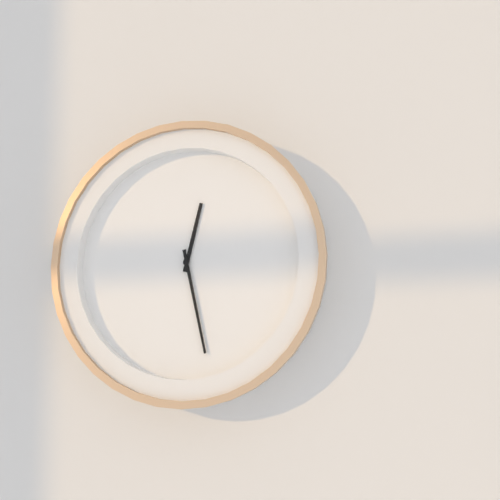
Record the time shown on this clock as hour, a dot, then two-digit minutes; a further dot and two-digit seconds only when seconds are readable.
12.28
